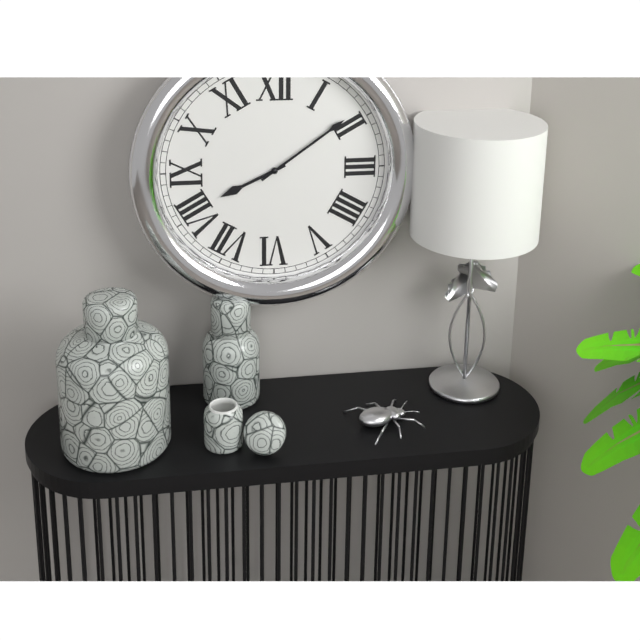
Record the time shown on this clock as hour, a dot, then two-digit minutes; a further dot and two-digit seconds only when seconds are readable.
8.09
